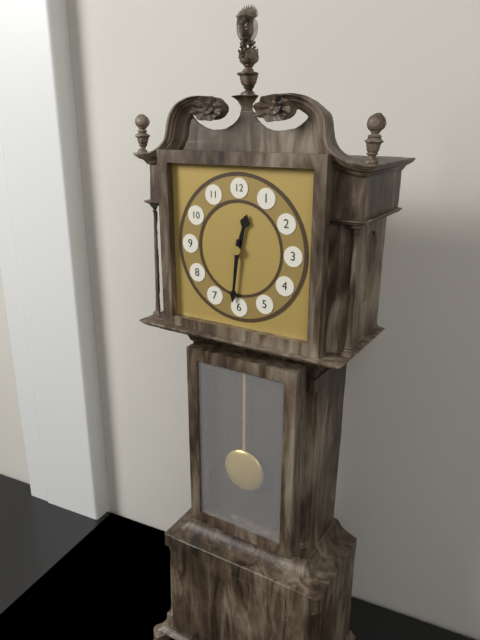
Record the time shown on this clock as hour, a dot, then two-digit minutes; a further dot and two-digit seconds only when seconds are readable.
12.31
